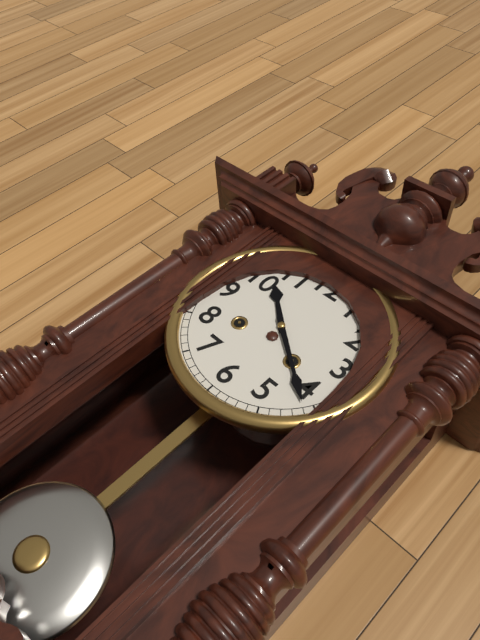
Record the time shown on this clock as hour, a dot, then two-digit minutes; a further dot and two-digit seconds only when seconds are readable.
10.21
